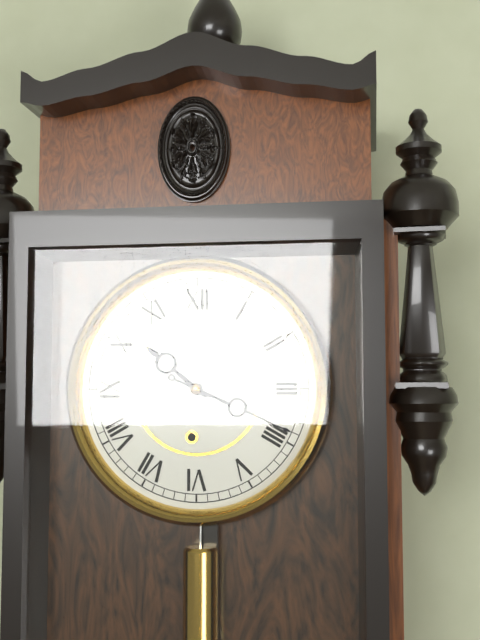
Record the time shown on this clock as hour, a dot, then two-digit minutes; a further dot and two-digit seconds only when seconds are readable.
10.19
